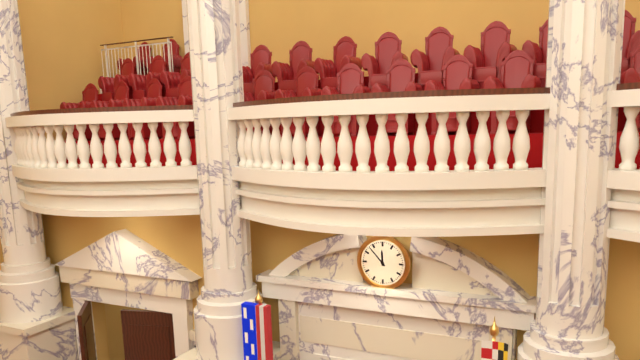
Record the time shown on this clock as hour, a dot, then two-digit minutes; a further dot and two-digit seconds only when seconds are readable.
11.53
